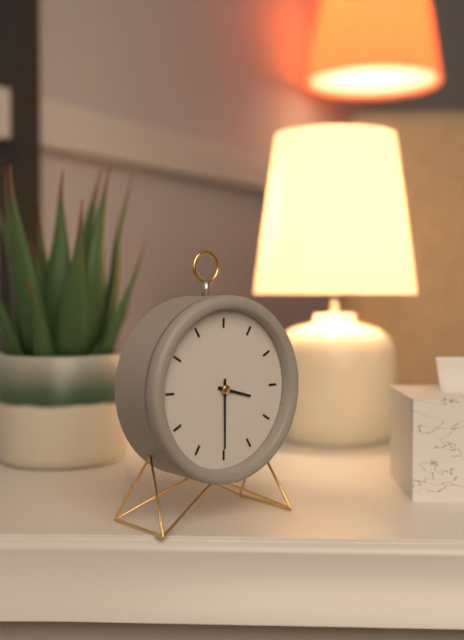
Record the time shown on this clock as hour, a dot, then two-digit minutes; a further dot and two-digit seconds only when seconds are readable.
3.30
